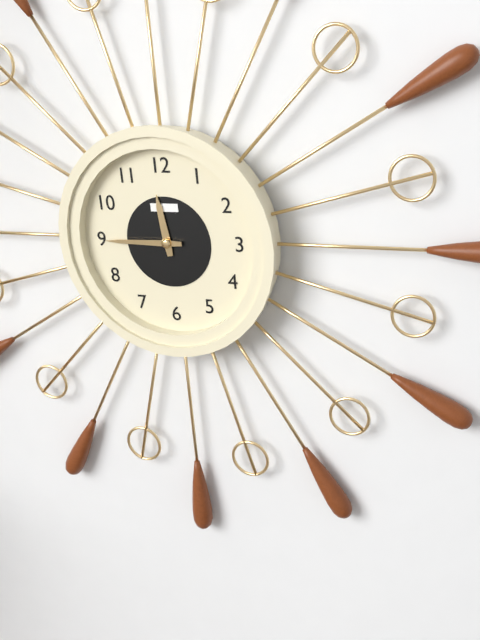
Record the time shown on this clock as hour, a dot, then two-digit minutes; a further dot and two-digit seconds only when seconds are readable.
11.45
